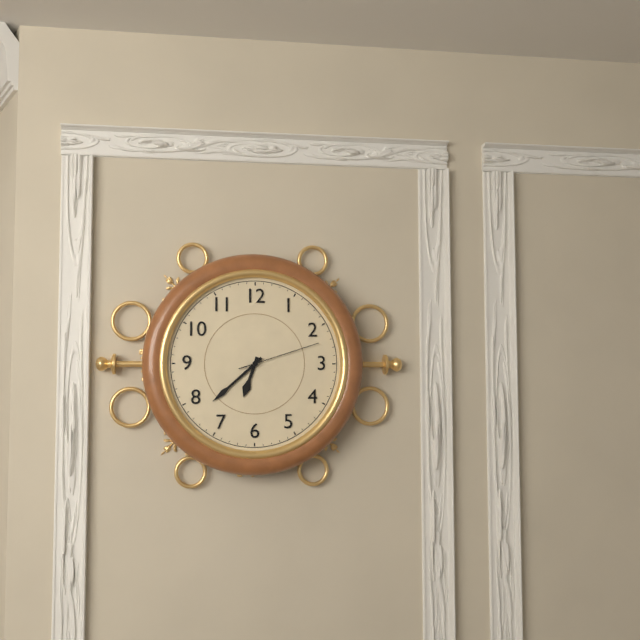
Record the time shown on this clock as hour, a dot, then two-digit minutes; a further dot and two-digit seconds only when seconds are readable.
6.38.12
